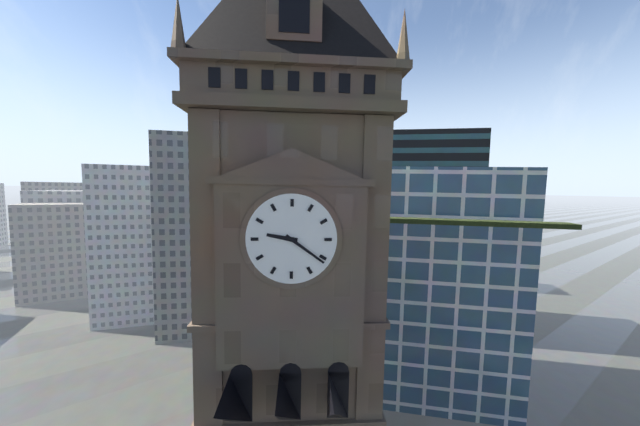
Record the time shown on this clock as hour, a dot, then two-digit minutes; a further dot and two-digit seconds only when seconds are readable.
9.21
